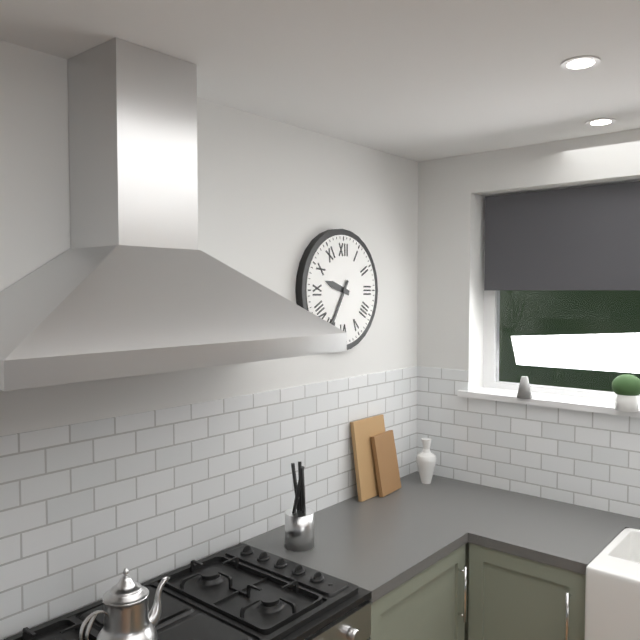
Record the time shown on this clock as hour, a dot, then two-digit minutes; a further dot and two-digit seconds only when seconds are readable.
9.35
